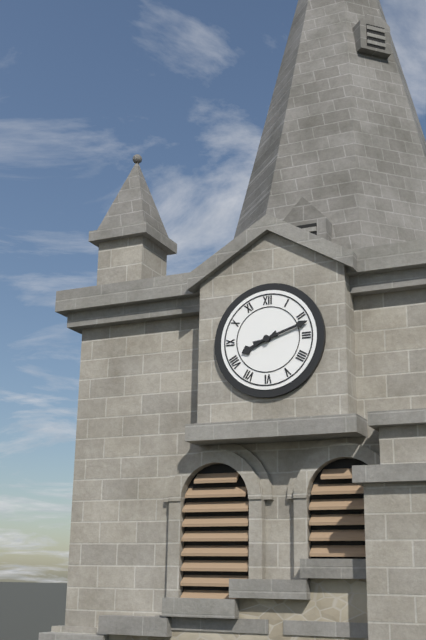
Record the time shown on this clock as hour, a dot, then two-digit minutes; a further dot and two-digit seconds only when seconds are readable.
8.12
